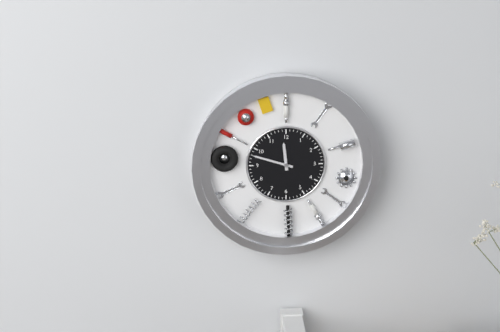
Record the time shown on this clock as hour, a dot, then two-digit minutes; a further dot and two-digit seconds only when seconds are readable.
11.48
